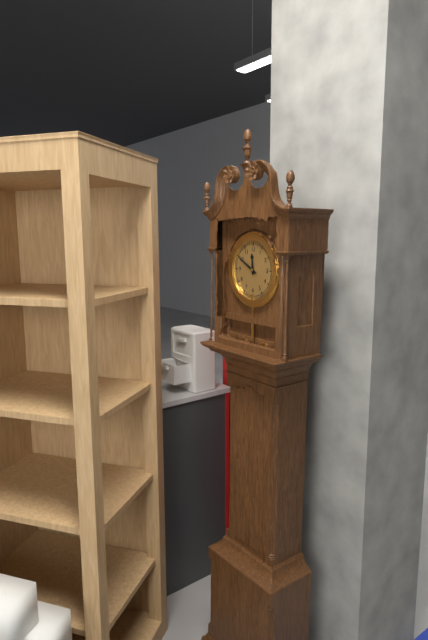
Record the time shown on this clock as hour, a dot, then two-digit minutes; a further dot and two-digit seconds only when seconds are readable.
11.50
